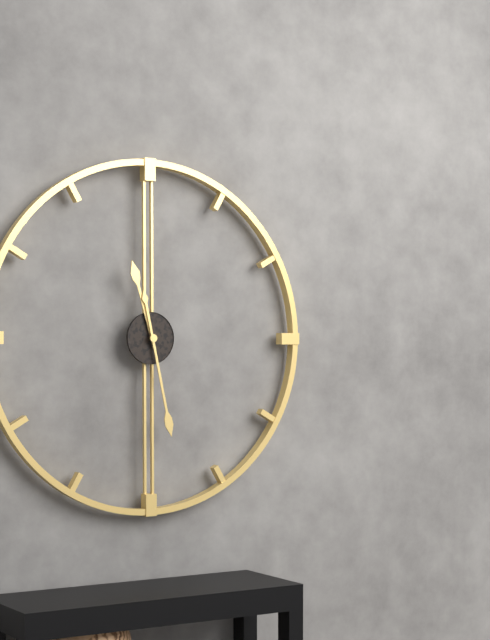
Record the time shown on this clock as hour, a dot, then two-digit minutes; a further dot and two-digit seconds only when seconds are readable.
11.28
